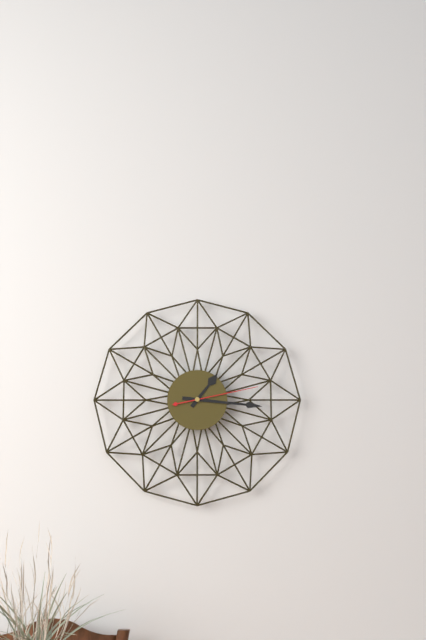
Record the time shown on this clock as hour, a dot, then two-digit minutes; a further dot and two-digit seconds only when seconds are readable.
1.16.13
